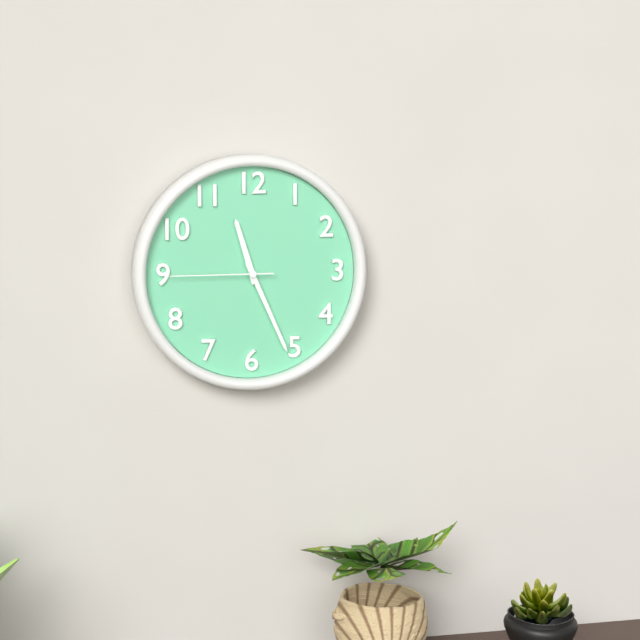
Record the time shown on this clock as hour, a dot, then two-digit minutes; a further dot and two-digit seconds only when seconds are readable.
11.26.45
